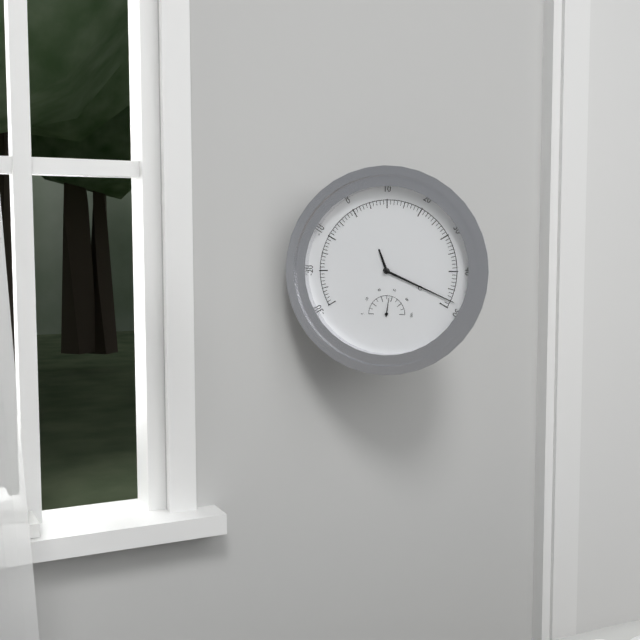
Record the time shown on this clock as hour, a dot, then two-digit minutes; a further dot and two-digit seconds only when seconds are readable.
11.19
